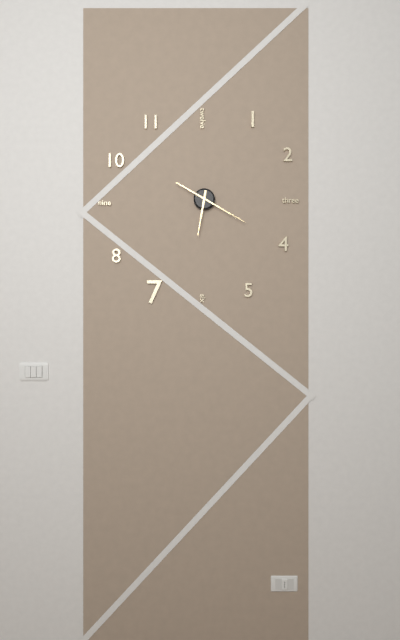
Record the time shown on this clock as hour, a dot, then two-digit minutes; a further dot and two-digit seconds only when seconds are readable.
6.20
